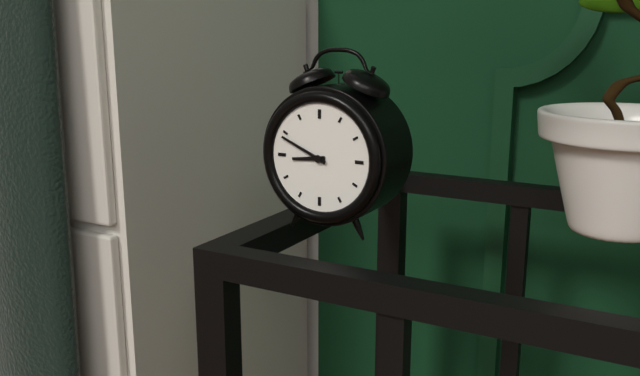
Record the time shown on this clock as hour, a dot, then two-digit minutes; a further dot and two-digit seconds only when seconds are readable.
8.49
